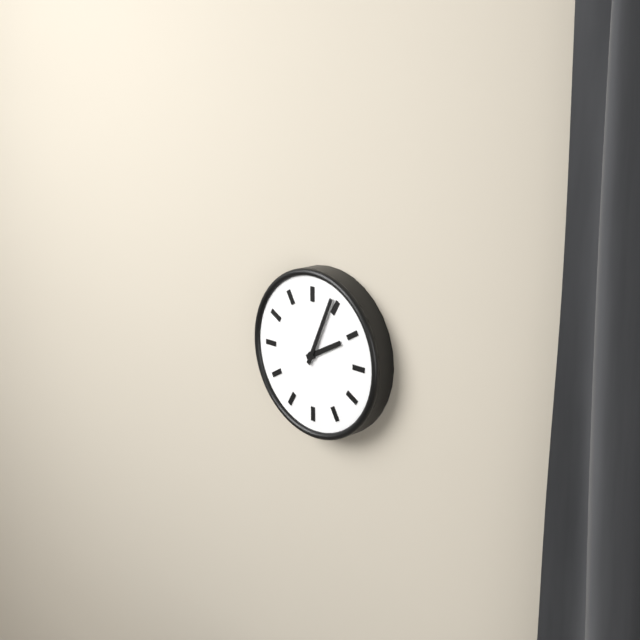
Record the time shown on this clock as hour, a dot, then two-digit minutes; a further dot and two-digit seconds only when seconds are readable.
2.04
